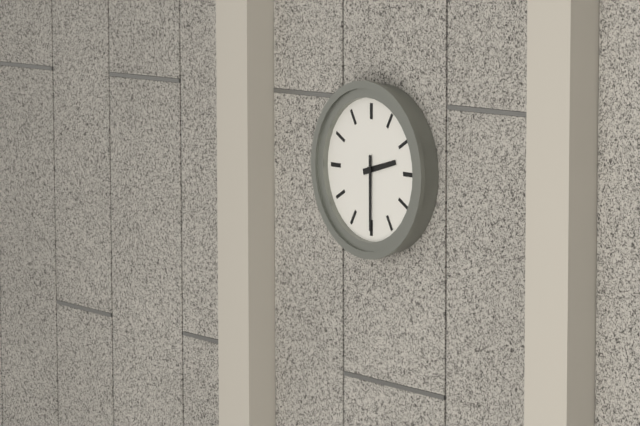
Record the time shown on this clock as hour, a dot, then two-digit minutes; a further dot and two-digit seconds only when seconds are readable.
2.30
